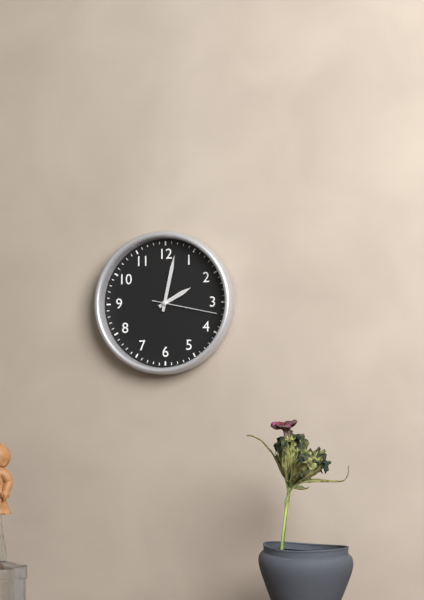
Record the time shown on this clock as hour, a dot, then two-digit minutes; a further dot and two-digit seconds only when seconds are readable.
2.02.17
